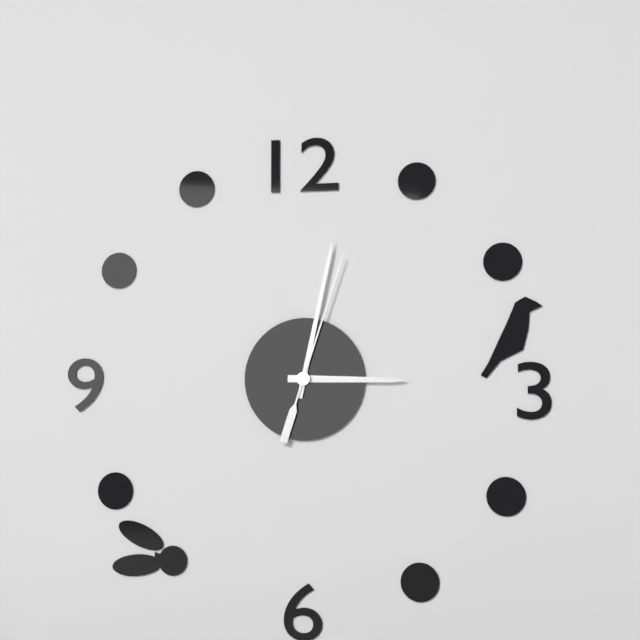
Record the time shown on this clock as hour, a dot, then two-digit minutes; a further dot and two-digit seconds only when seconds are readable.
3.02.03
